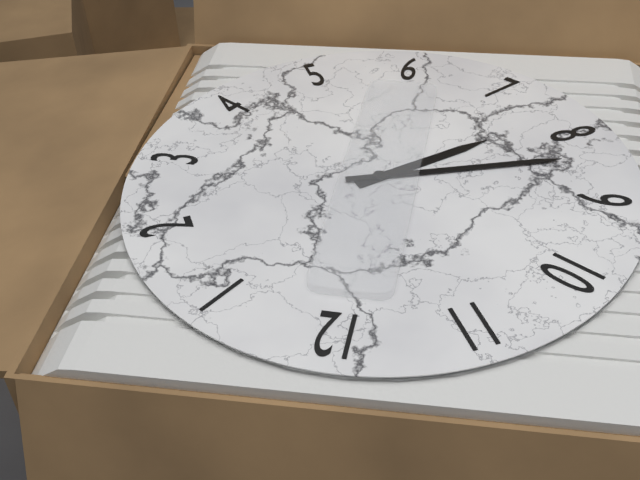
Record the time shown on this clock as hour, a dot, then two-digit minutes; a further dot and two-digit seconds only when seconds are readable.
7.42
